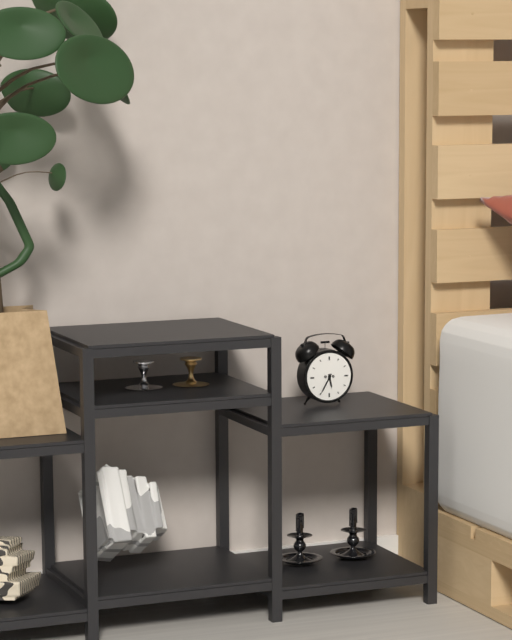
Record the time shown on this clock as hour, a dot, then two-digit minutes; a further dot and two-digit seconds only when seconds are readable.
5.35
